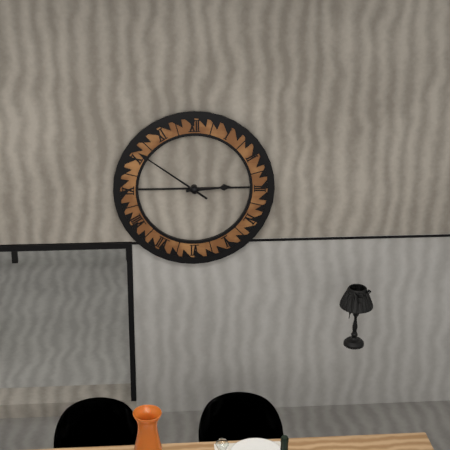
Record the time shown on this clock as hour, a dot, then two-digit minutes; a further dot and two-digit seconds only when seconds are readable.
2.51
